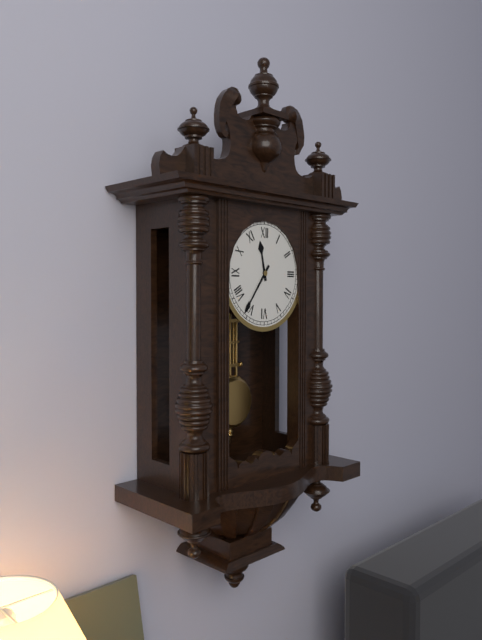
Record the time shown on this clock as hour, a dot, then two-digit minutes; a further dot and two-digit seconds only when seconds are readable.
11.36
